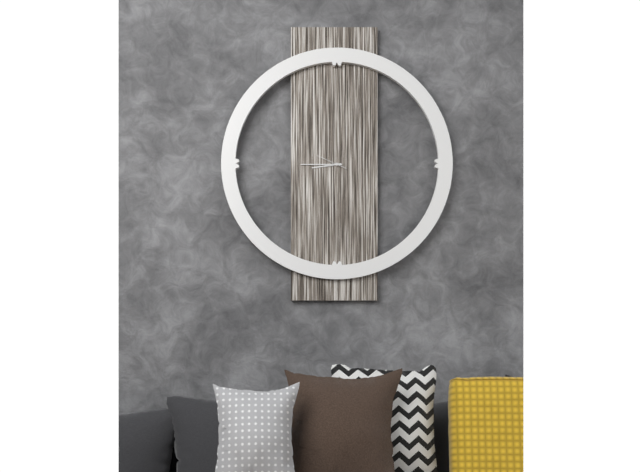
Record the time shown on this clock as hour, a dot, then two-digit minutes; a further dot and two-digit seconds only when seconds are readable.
8.45
